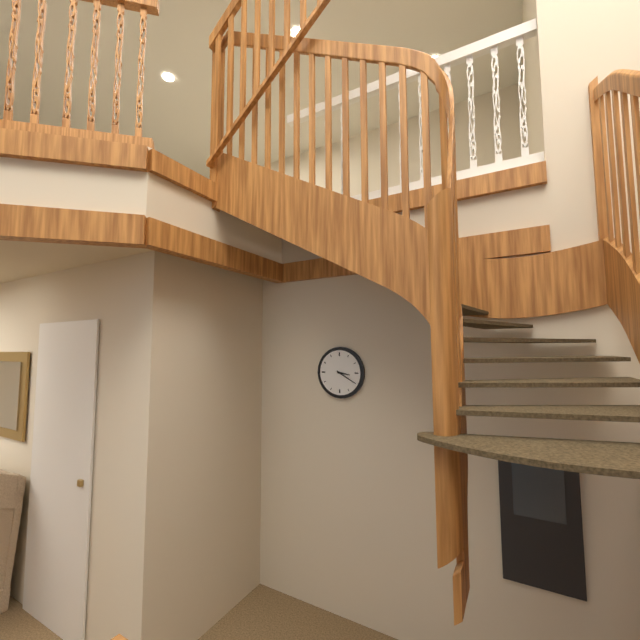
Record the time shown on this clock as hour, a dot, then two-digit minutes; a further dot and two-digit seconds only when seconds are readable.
3.20
